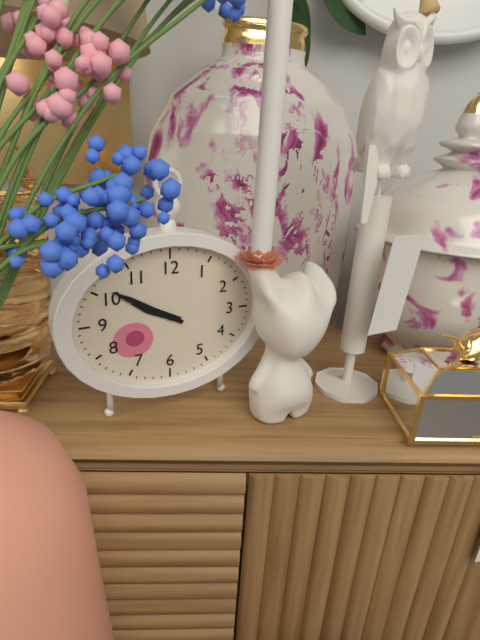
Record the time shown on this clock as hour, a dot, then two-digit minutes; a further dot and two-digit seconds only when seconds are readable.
9.50
